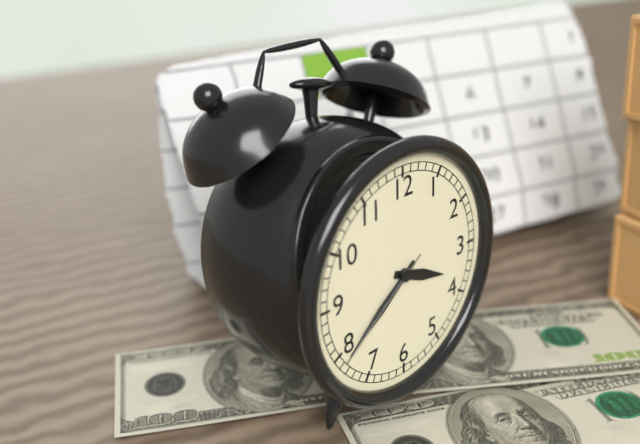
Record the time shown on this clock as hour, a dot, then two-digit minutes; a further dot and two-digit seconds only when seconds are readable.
3.39.39
